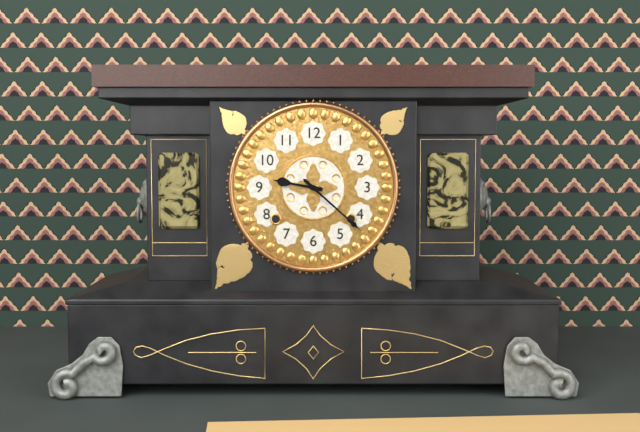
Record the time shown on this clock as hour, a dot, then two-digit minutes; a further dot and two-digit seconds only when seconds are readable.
9.22
